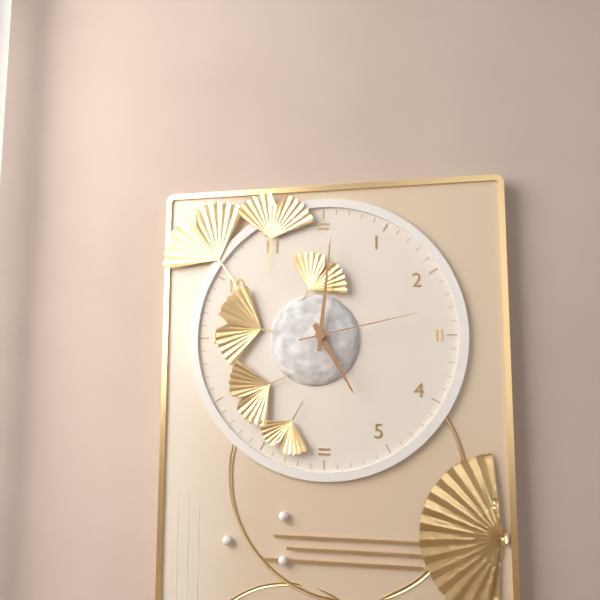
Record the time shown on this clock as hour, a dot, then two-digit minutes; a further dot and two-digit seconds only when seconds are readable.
5.01.13
